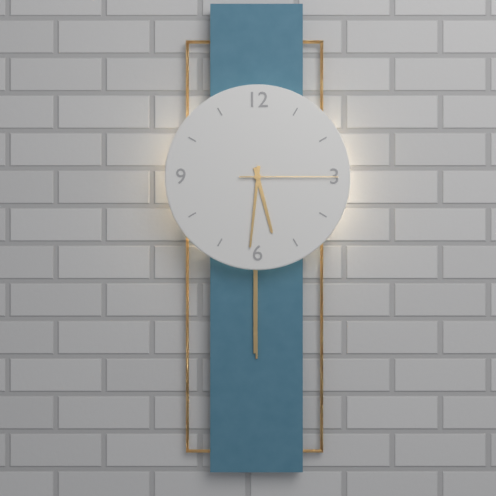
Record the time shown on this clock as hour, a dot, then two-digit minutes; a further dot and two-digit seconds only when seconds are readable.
5.31.15
